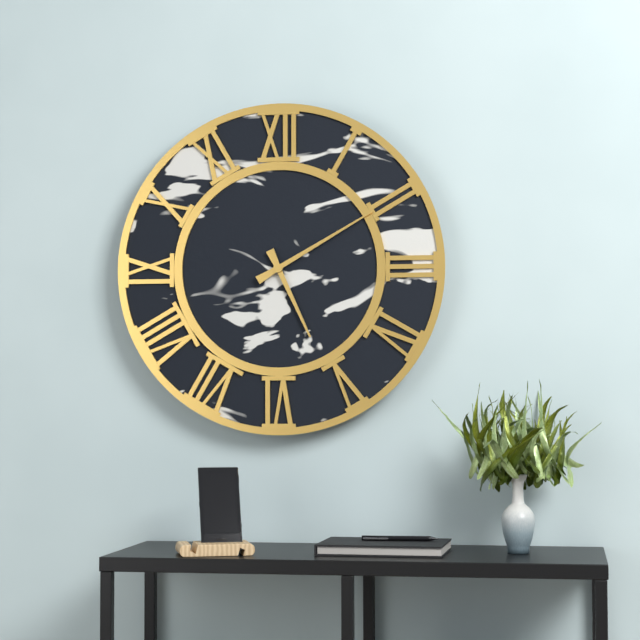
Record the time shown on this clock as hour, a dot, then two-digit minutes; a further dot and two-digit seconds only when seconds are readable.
5.10
